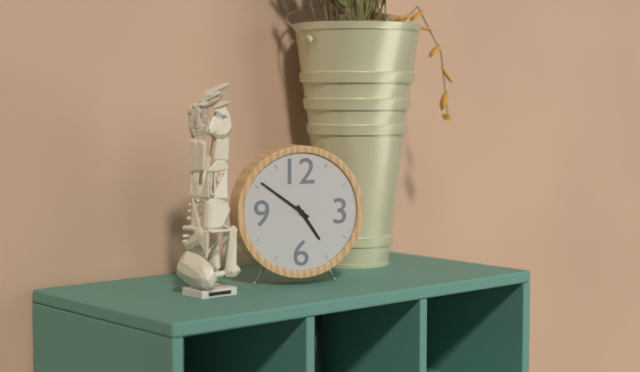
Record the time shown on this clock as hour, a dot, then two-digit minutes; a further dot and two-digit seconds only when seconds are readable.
4.51
